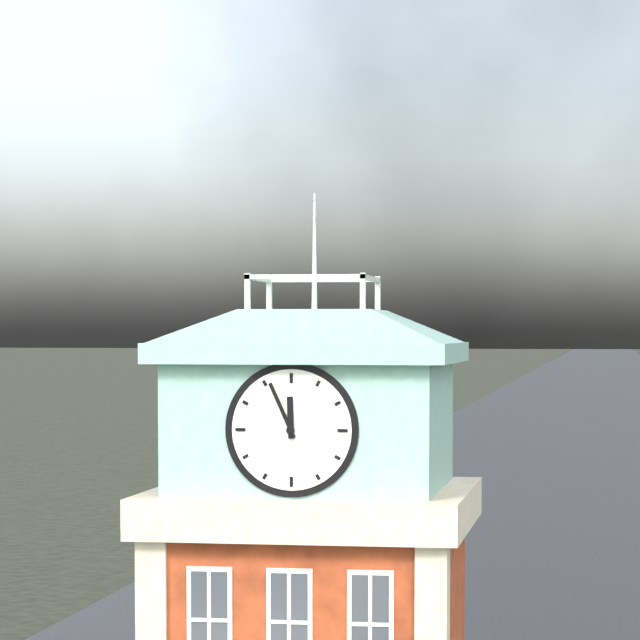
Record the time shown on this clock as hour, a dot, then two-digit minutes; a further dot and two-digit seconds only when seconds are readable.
11.56
